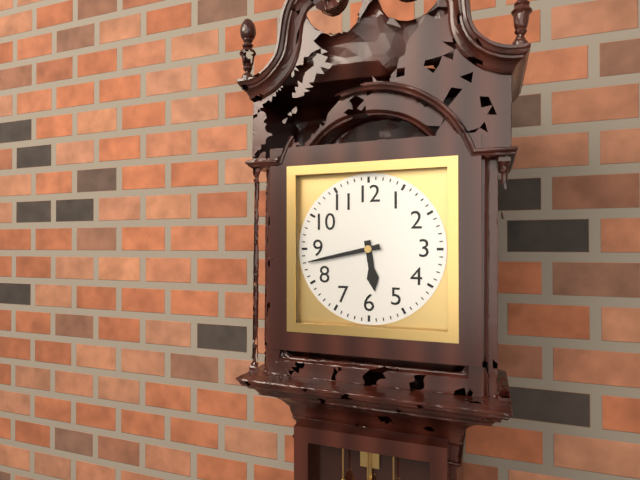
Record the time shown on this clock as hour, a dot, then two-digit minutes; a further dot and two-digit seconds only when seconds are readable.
5.43
